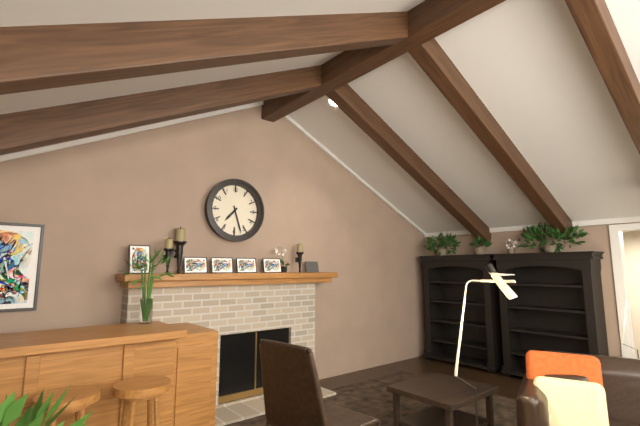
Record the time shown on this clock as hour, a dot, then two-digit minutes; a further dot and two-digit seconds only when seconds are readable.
7.27
